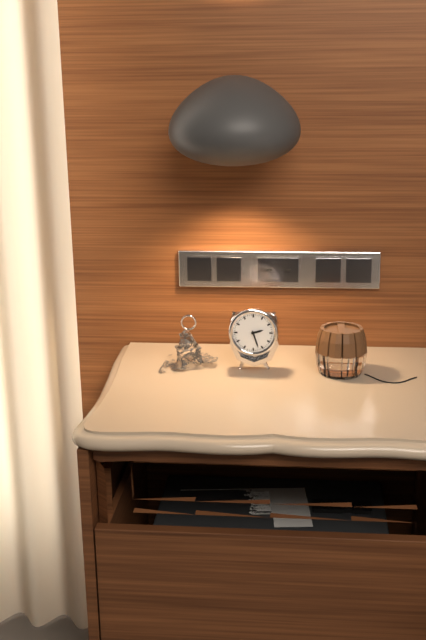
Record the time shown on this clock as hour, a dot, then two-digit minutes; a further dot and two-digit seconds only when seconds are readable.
2.27
